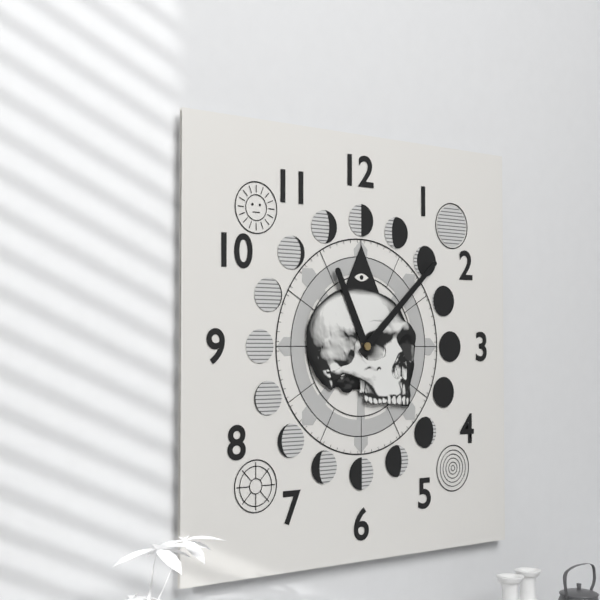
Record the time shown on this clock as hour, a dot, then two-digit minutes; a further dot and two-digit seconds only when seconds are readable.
11.08
